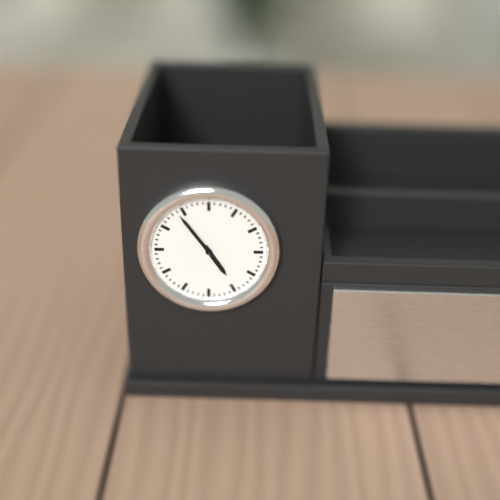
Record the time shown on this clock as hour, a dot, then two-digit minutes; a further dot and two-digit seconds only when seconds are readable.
4.54
